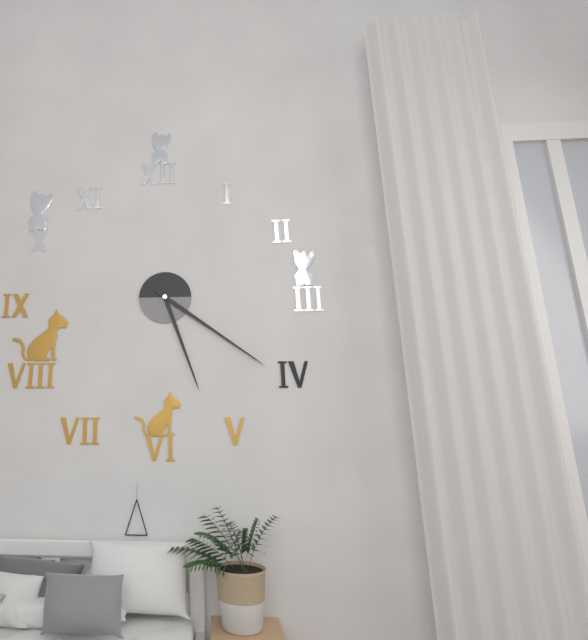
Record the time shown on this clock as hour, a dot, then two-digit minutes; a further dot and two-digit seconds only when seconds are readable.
5.21
